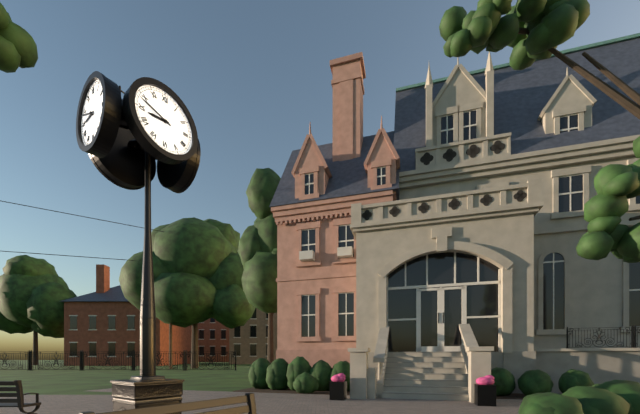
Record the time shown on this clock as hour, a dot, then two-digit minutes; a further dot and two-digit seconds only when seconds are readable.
8.48
